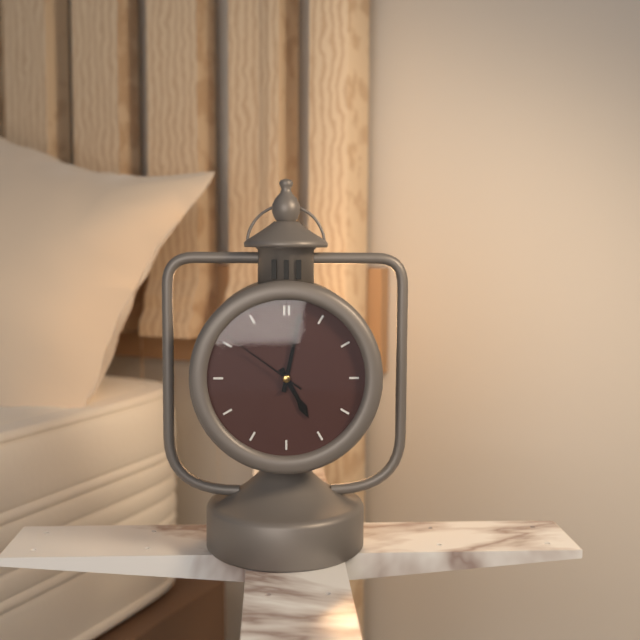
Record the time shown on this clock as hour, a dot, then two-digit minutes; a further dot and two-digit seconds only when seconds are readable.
5.02.51
